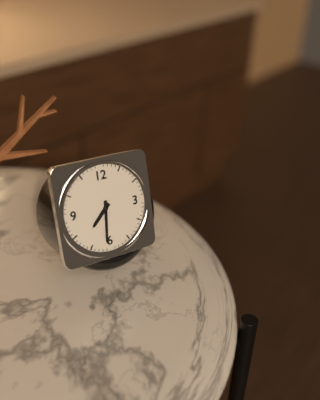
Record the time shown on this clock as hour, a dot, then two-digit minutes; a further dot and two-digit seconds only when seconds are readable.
7.31
